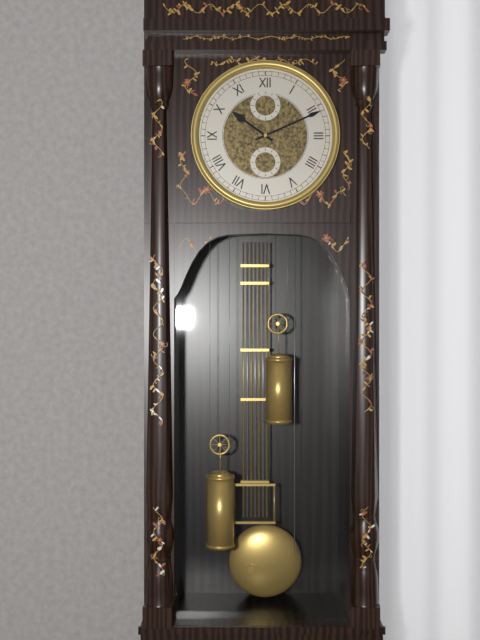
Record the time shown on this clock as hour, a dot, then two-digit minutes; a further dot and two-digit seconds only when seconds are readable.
10.11
